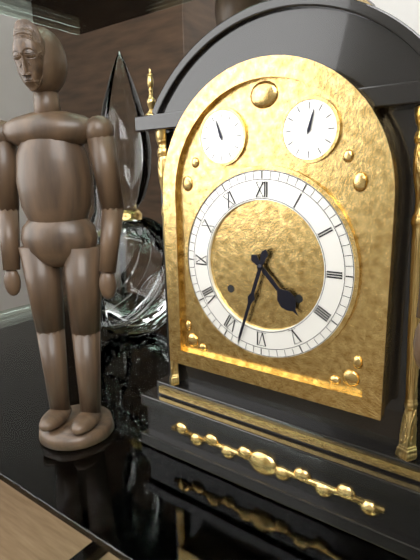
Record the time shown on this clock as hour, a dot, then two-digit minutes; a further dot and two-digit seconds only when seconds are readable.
4.33
